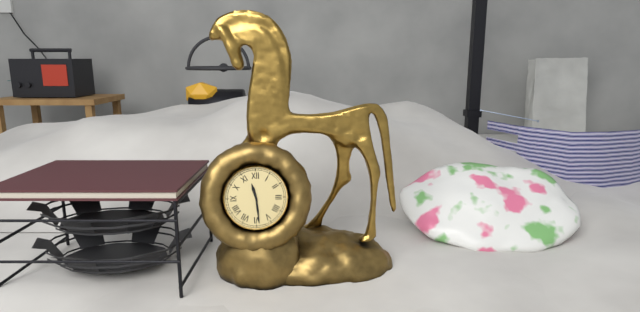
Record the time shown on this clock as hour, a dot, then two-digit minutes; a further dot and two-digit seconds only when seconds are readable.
11.29
